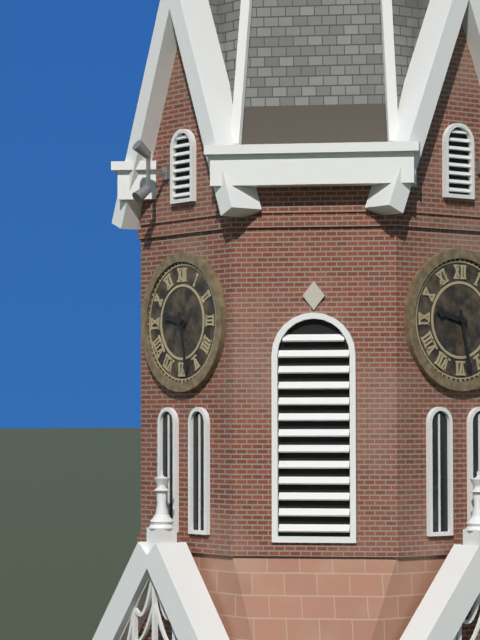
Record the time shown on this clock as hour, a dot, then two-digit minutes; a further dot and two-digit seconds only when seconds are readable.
9.28
